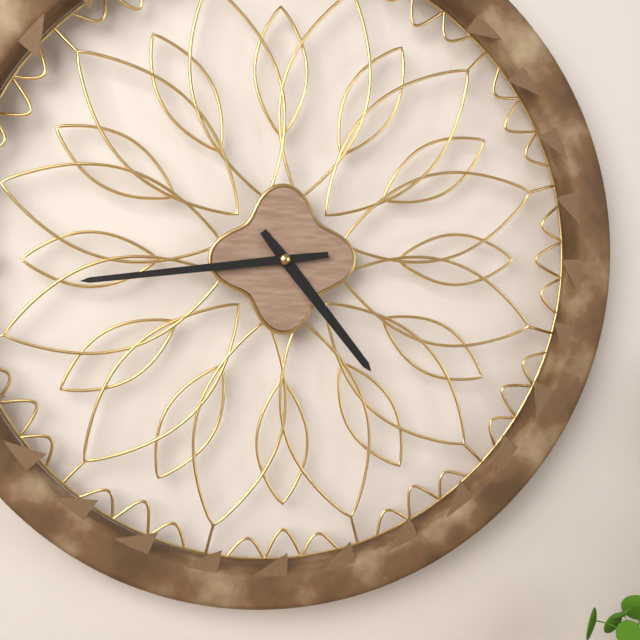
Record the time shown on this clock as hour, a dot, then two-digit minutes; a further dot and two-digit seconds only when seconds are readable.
4.44
